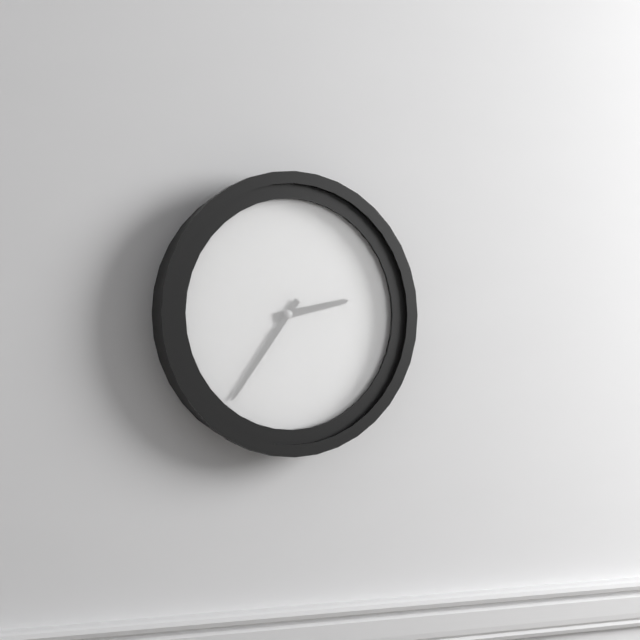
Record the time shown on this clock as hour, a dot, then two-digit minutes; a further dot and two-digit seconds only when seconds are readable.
2.36
